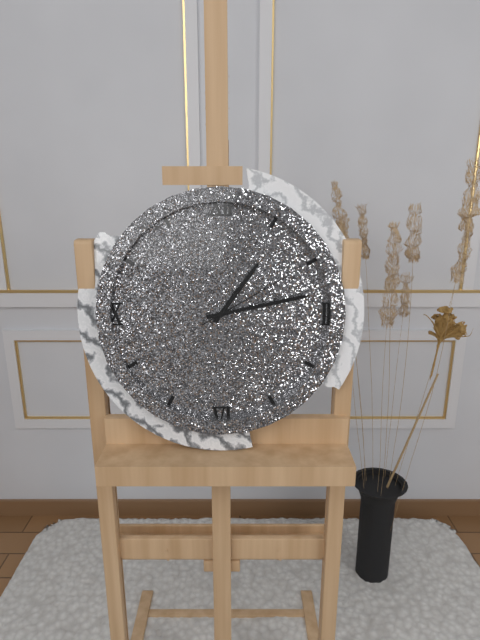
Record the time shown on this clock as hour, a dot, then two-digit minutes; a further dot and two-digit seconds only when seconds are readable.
1.13.10
